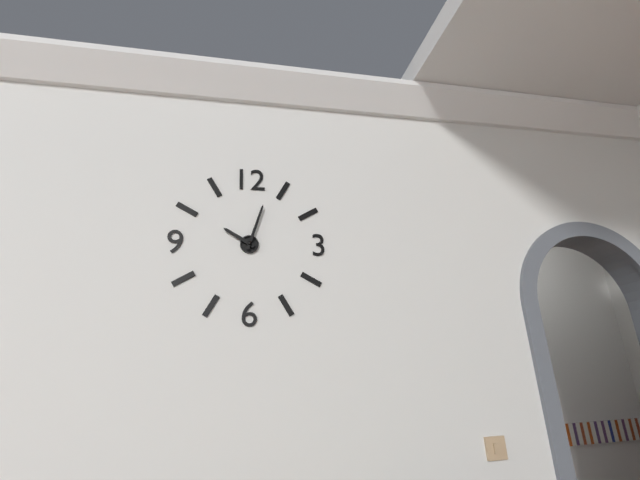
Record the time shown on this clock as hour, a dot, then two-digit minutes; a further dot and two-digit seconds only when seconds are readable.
10.03
